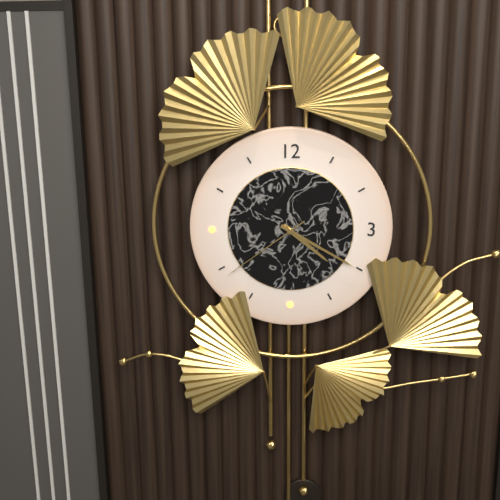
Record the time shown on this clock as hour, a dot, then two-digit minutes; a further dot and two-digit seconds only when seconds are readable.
4.20.39
